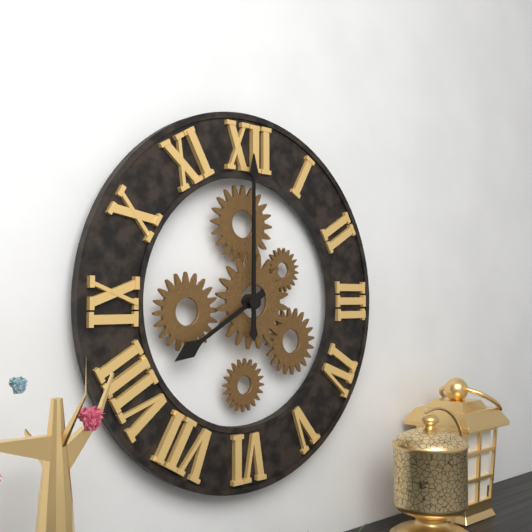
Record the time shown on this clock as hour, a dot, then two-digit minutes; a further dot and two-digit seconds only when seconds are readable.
8.00
